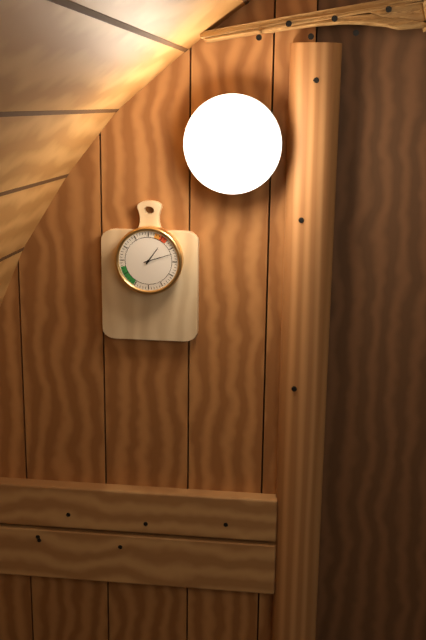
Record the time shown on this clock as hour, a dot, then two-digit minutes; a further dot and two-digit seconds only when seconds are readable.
1.12
